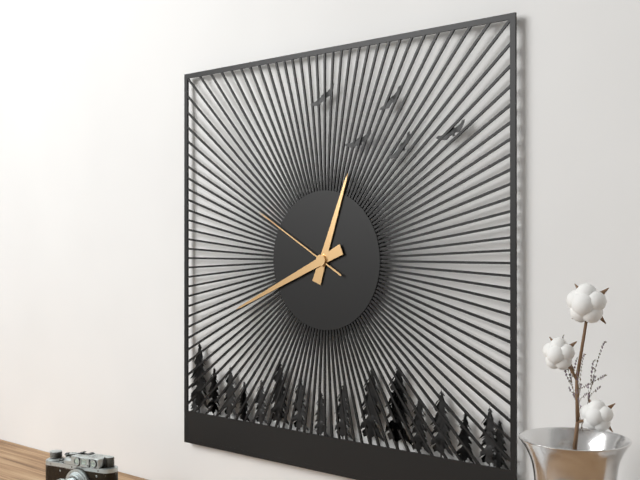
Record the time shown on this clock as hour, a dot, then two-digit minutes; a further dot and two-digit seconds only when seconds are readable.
12.41.50
